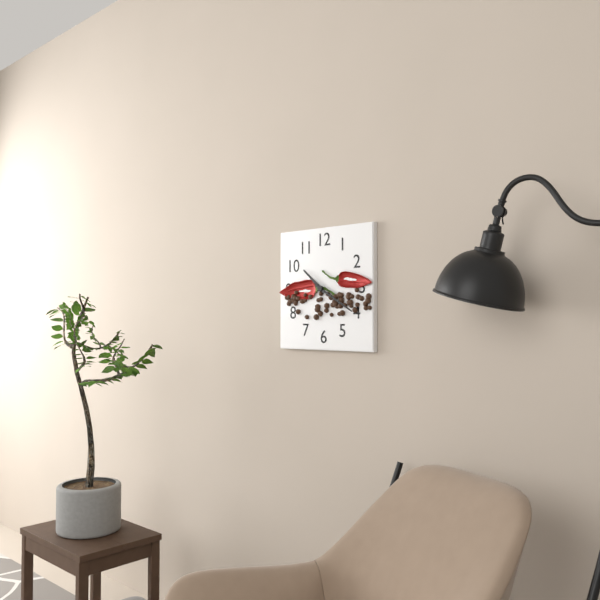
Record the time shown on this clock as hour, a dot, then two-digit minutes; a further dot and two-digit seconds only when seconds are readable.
10.20
